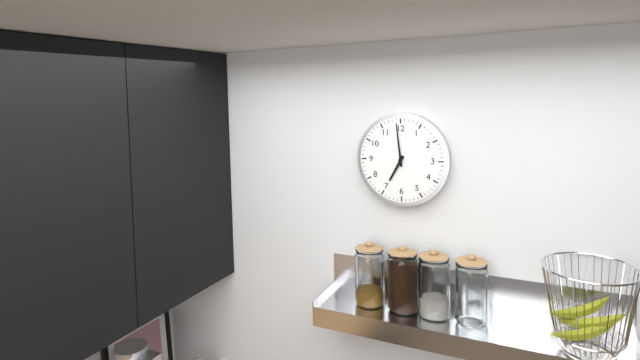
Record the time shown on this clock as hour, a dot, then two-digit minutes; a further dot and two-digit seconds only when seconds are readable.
6.59
